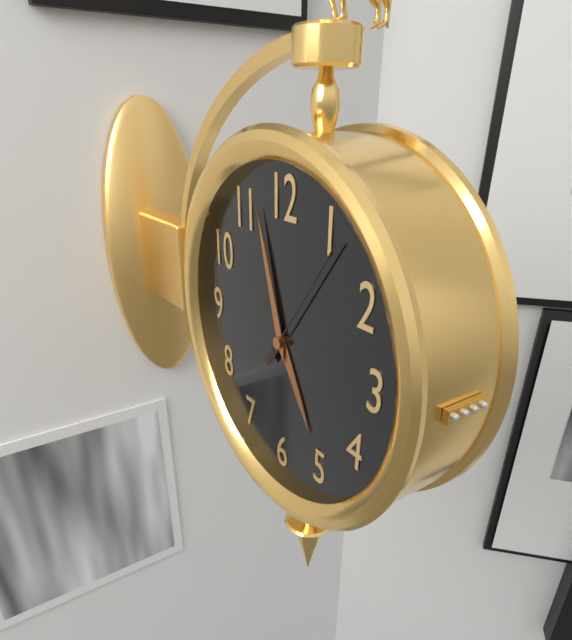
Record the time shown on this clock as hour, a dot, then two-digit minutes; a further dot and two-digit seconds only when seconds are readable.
4.57.06
